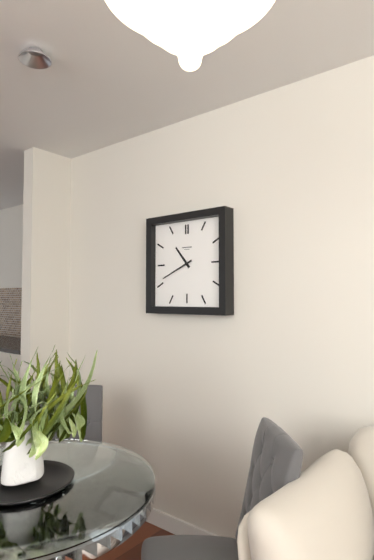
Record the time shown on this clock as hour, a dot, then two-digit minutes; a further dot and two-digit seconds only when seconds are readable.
10.41
